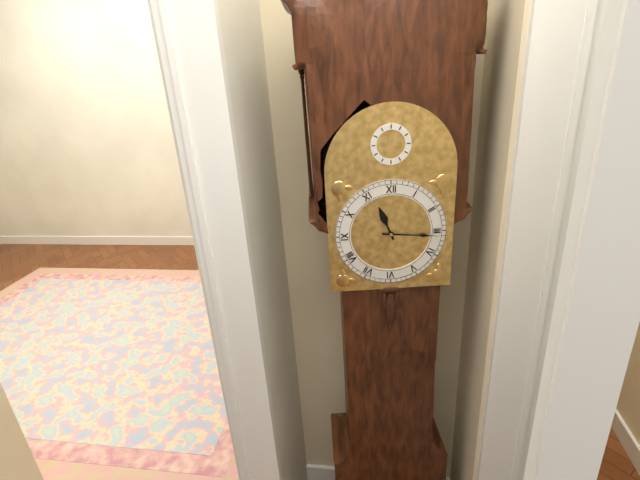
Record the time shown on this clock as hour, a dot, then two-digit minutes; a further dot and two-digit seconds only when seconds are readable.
11.16
